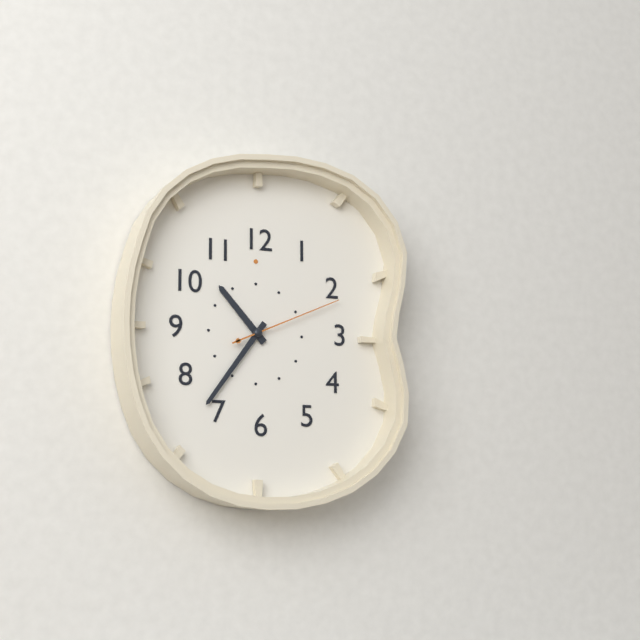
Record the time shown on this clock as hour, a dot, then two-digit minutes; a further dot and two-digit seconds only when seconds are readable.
10.36.11
